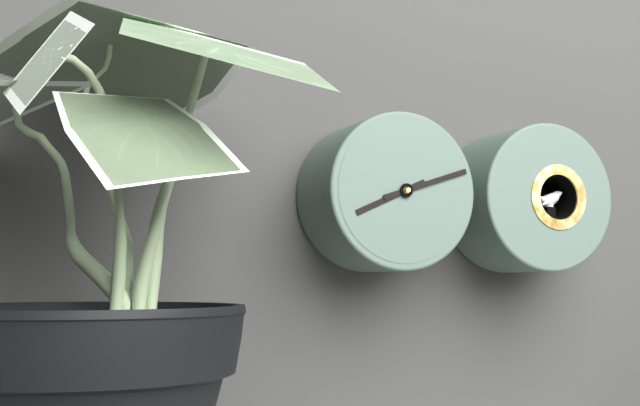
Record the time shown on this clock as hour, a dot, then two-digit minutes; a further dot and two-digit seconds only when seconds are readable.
8.12
